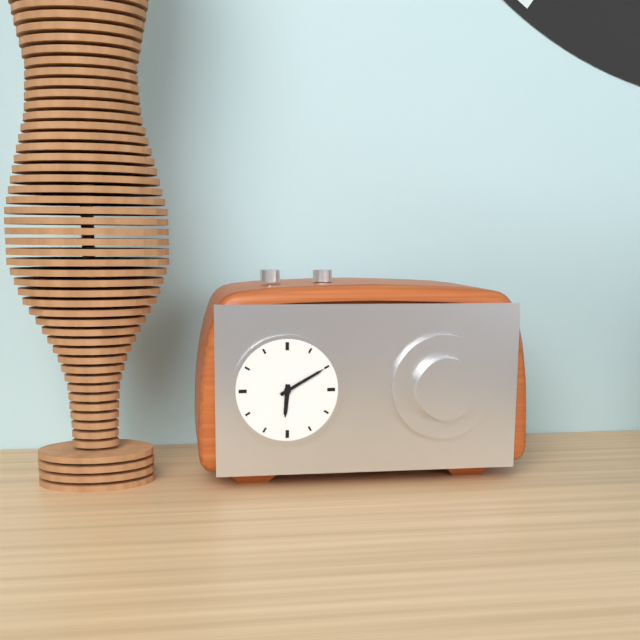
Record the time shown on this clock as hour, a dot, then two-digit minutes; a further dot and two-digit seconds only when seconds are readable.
6.10
